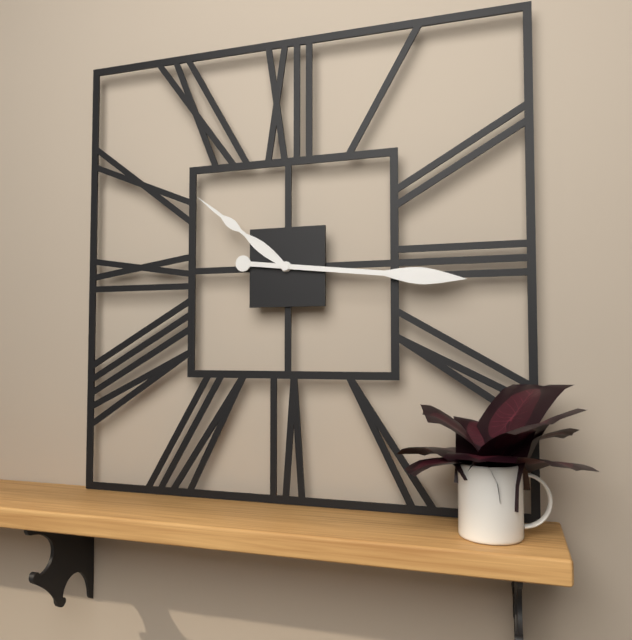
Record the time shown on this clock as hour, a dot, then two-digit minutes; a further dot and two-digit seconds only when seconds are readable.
10.16
